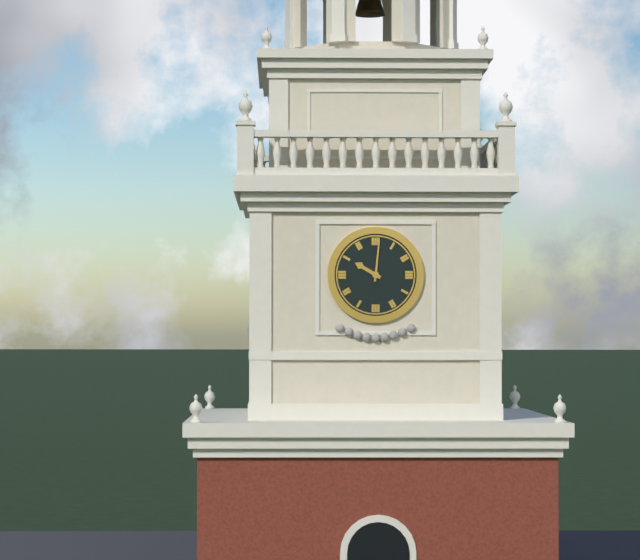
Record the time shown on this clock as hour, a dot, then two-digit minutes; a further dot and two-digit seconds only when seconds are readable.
10.01
